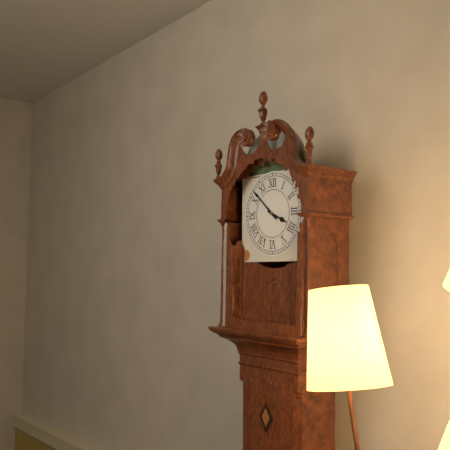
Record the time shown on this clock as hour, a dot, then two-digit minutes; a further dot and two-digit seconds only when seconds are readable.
3.52
